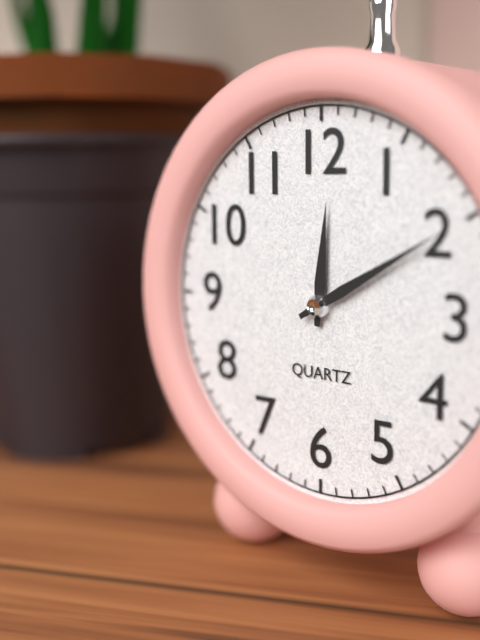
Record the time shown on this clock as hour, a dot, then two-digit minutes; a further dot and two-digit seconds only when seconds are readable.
12.10
